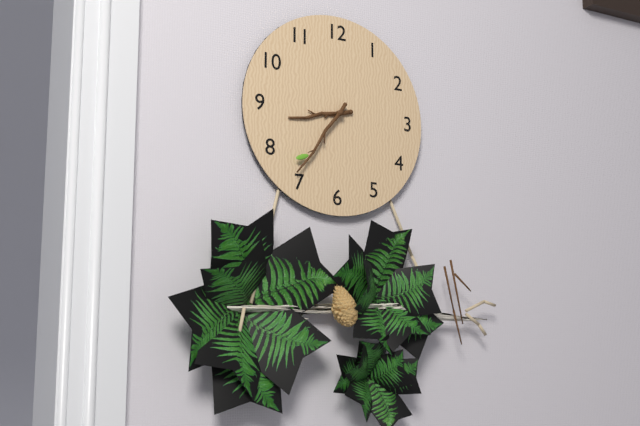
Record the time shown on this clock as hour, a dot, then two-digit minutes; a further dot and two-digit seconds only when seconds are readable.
8.36
